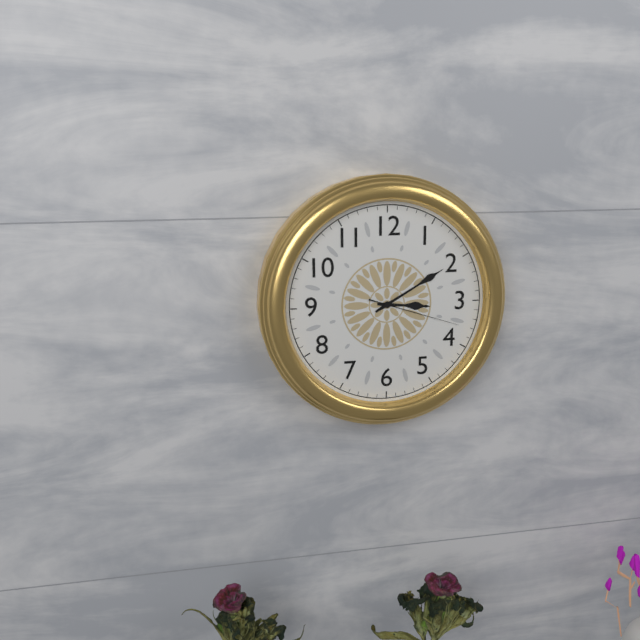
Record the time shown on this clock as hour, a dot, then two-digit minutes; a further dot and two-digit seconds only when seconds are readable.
3.10.18
